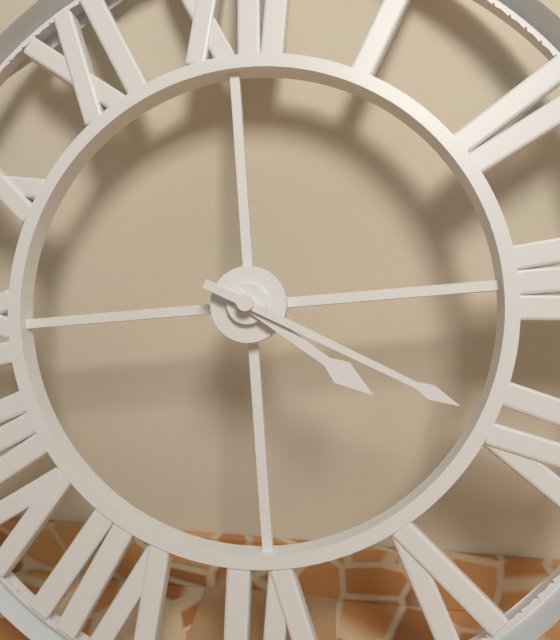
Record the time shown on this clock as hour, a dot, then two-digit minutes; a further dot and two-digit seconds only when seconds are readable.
4.20
